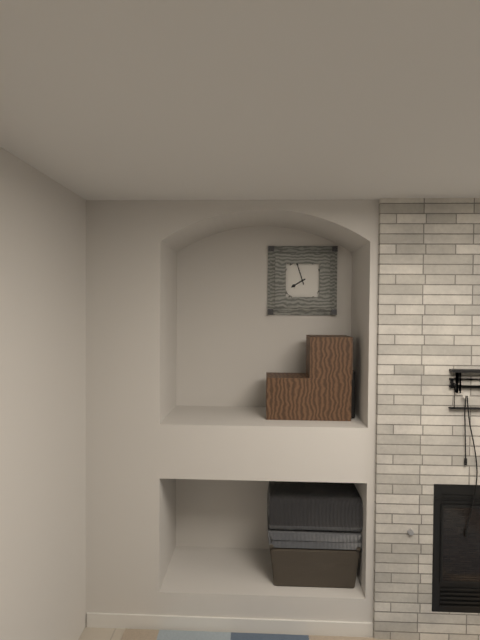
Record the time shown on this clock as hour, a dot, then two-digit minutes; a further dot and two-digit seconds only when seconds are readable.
7.57
